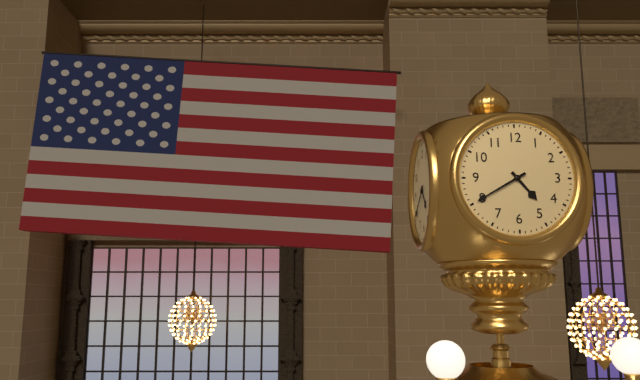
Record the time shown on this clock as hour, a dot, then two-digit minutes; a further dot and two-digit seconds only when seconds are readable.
4.40
